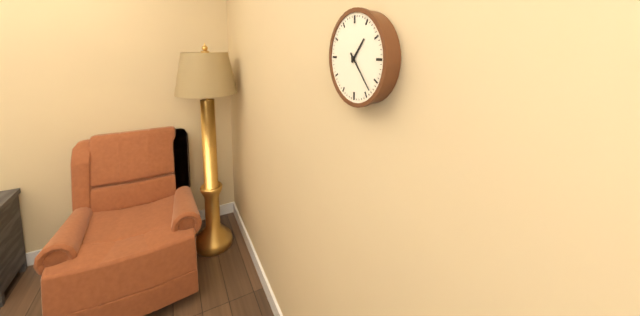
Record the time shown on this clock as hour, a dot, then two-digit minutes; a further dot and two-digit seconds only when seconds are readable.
1.23
